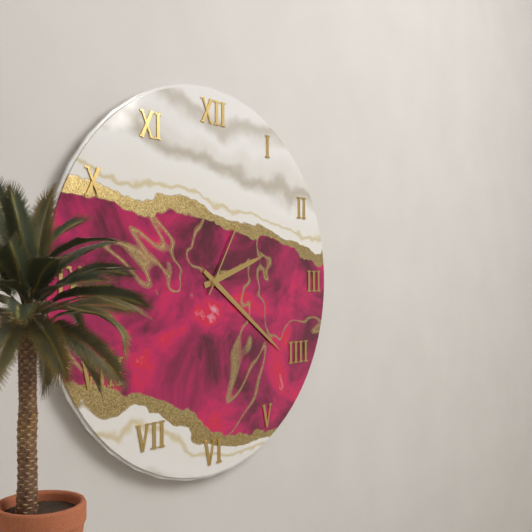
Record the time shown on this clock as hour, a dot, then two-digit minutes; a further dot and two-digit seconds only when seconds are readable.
2.21.05
